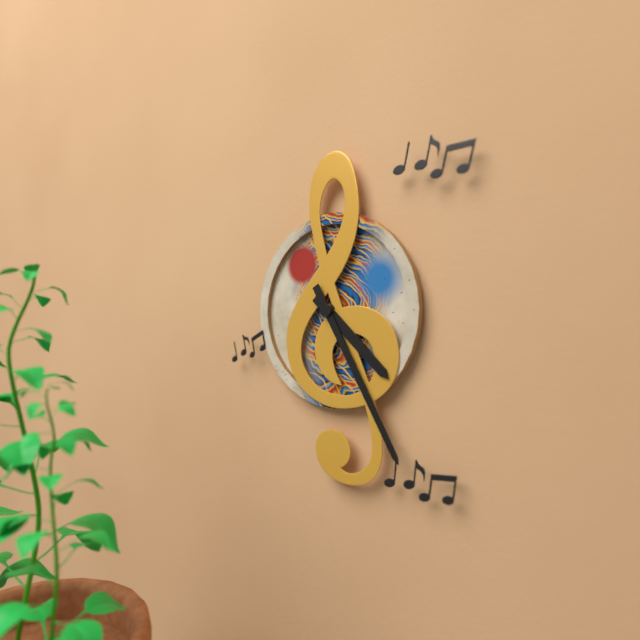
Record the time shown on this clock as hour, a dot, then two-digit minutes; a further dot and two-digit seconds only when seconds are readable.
4.25
